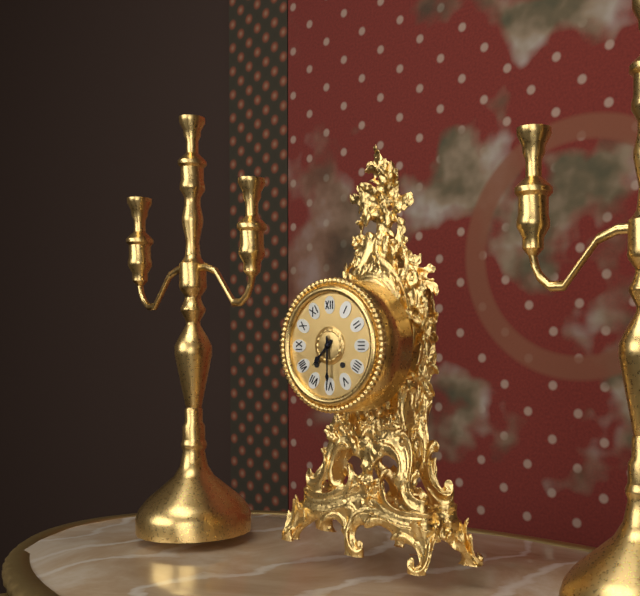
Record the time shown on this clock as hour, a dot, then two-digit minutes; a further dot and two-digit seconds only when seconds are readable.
7.30
